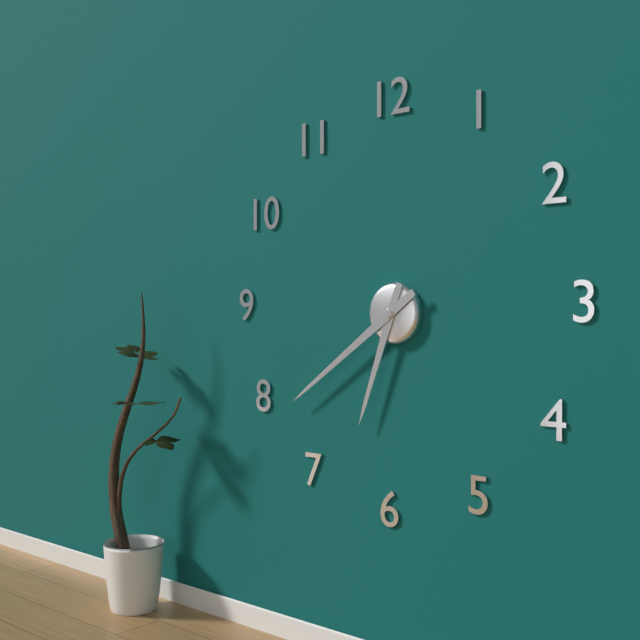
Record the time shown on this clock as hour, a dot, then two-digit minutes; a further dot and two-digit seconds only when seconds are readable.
6.39
